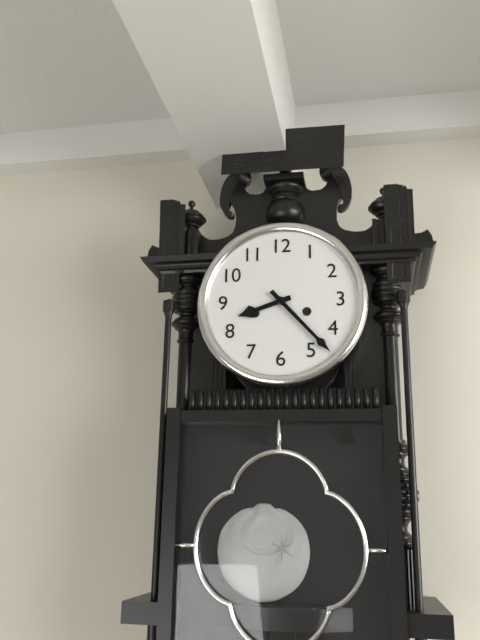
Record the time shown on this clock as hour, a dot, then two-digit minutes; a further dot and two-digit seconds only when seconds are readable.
8.23
